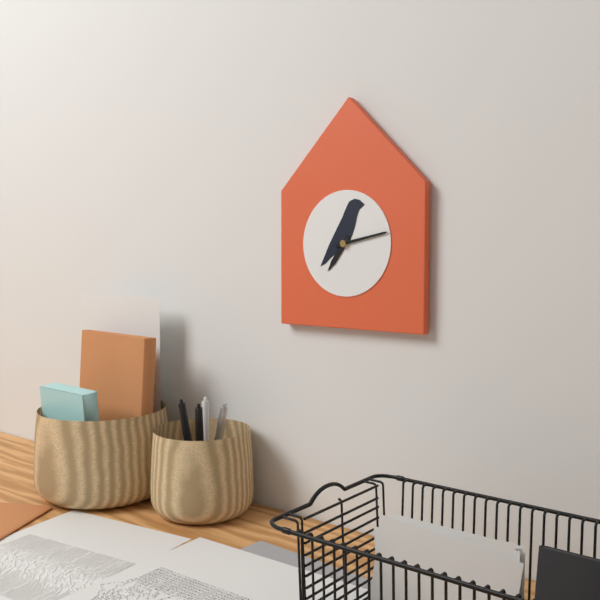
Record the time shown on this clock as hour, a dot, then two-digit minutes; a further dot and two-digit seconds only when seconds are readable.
7.13
